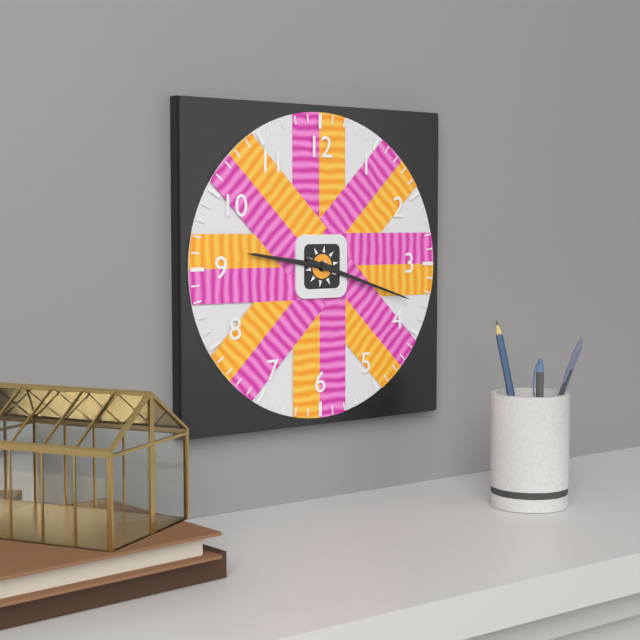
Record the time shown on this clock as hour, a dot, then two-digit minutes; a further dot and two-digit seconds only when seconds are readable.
9.18
